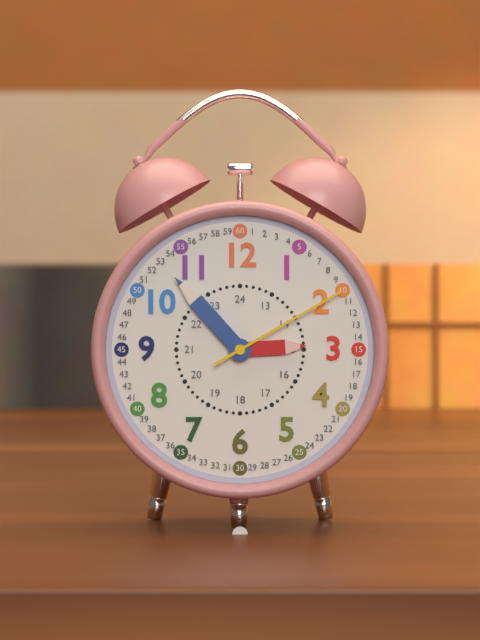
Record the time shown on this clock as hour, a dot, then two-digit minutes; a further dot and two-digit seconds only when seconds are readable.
2.53.10
